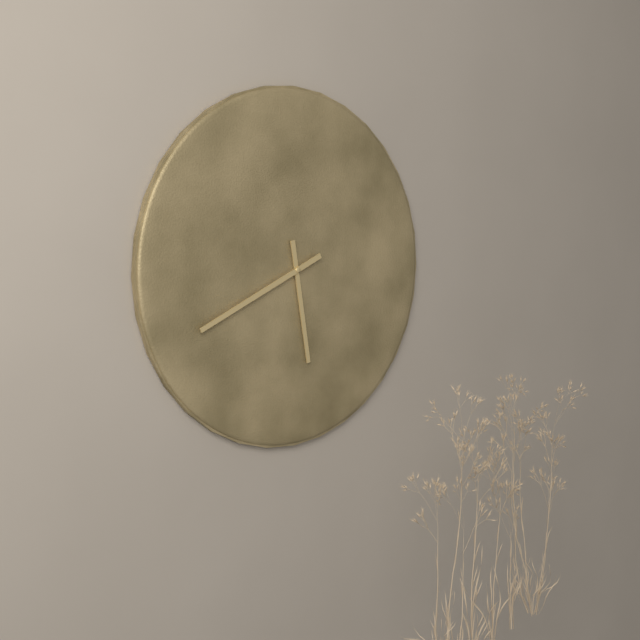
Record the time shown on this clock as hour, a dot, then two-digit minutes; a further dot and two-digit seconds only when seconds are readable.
5.41
